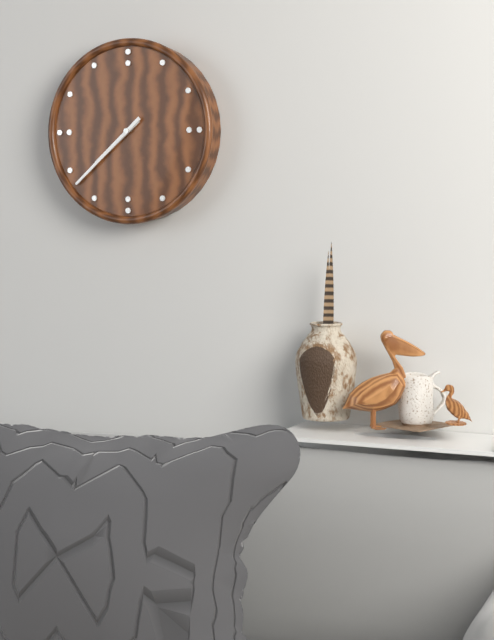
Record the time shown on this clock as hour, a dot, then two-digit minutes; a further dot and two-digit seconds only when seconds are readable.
7.38
